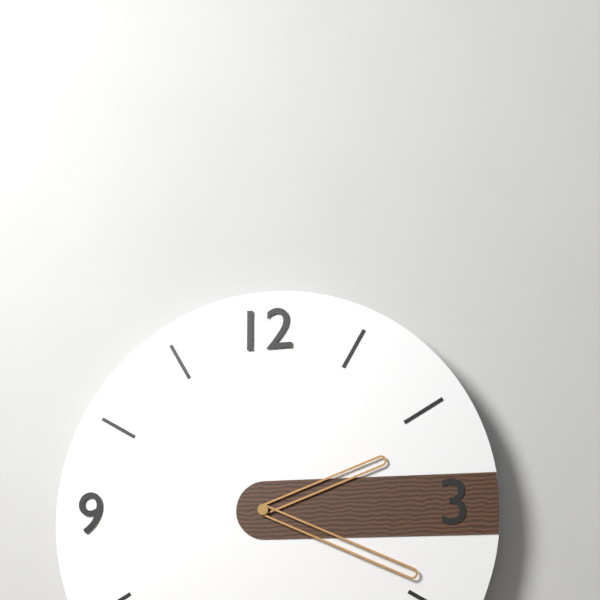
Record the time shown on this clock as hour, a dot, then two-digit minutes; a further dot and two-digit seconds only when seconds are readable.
2.19
